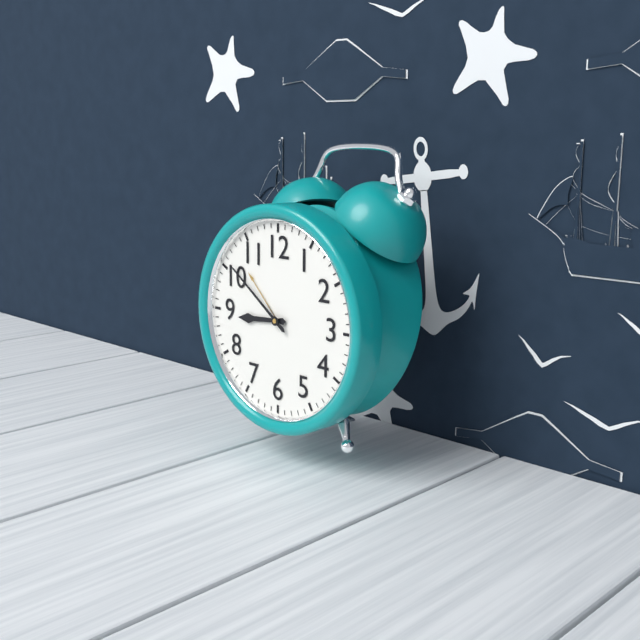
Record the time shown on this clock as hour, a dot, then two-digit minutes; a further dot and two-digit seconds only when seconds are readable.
8.51
